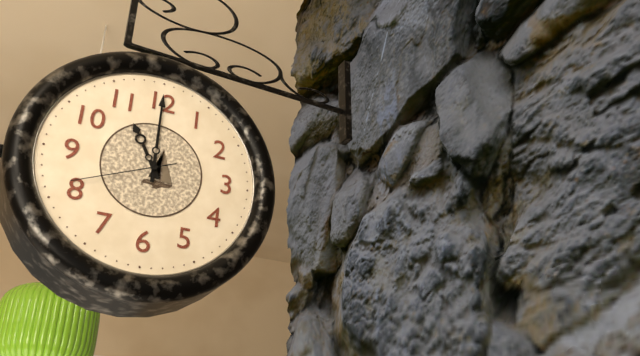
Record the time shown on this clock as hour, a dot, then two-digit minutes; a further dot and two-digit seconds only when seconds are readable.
11.00.41
